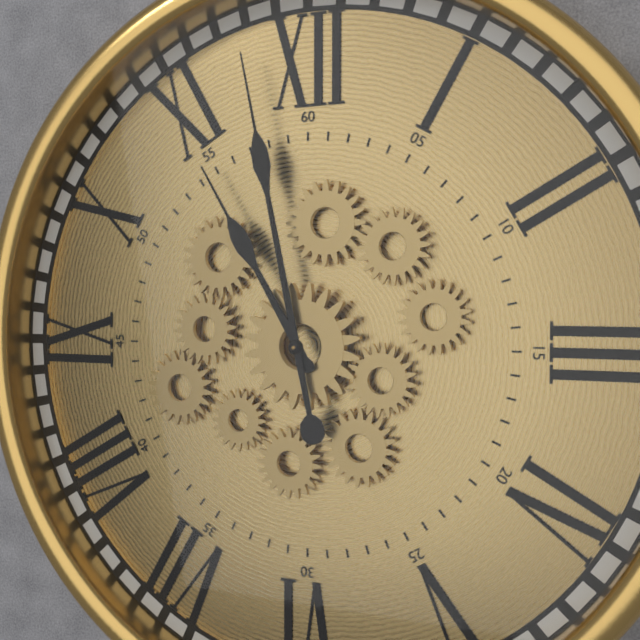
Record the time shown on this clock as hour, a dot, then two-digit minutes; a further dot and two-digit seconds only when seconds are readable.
10.58
